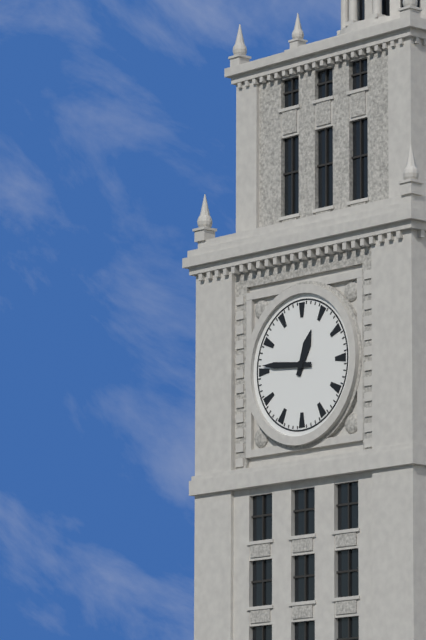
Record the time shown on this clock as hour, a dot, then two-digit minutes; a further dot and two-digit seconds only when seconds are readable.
12.46
